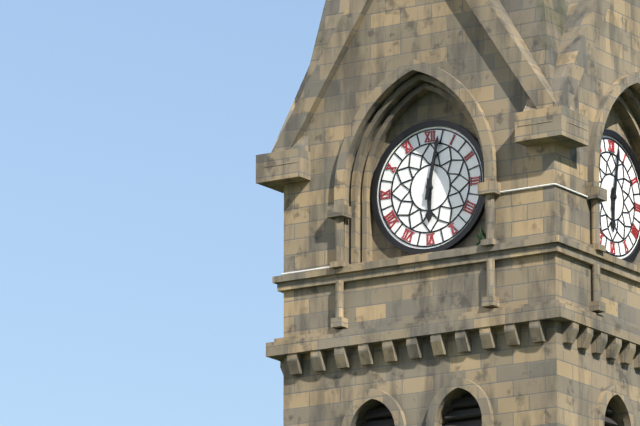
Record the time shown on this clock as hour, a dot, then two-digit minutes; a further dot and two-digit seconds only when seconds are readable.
6.02
